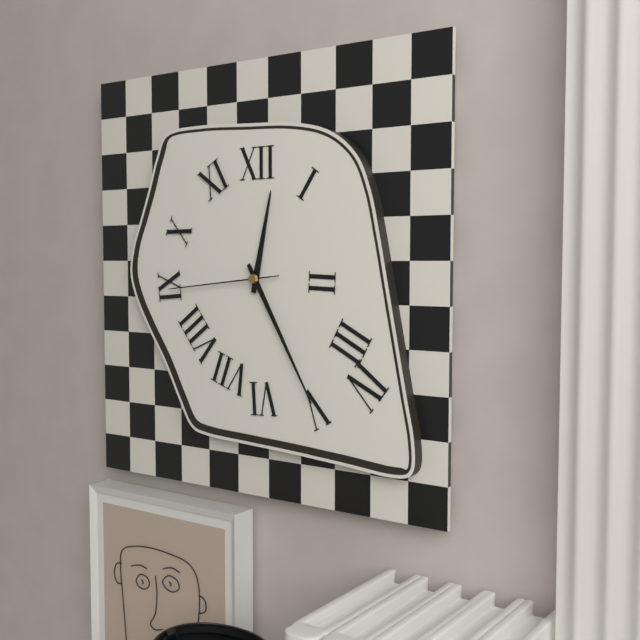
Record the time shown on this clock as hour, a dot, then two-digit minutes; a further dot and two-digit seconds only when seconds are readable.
12.25.44
